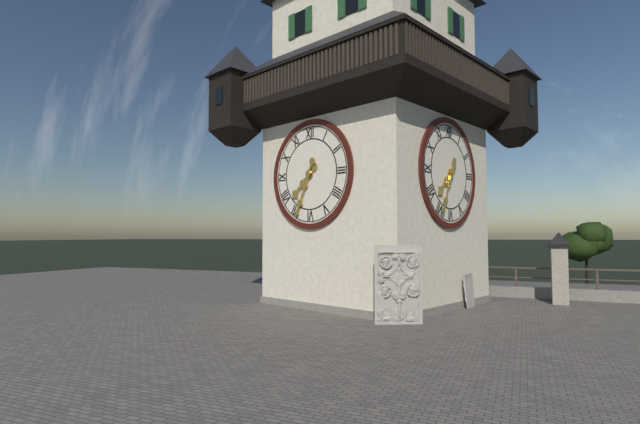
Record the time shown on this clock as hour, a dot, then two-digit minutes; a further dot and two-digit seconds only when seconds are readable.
7.34
